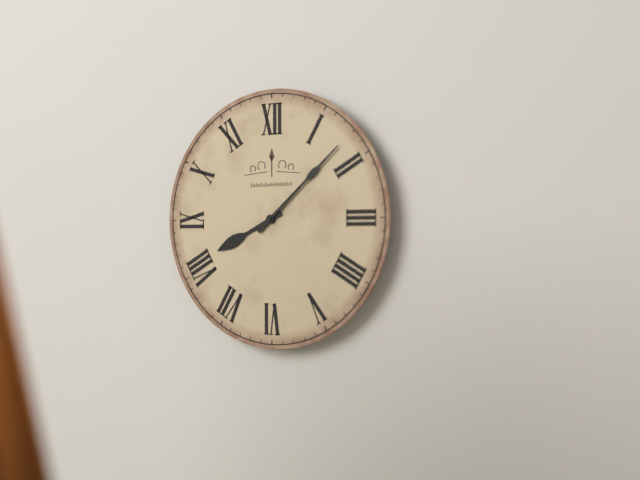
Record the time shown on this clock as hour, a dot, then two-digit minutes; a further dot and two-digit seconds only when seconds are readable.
8.08
